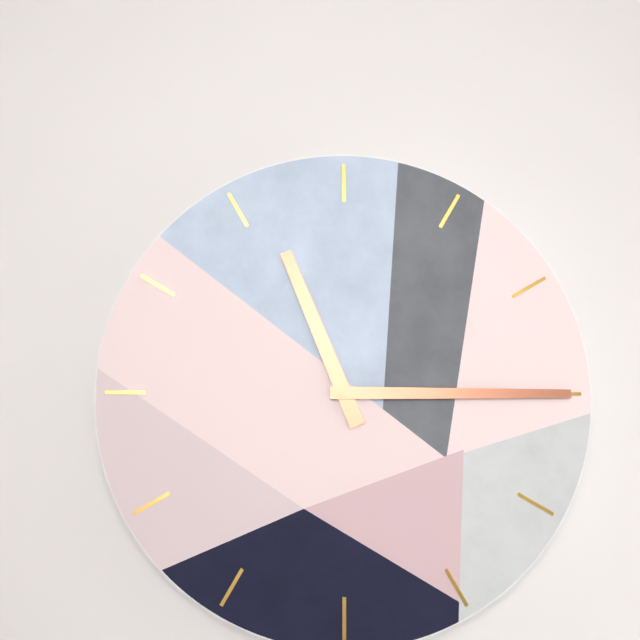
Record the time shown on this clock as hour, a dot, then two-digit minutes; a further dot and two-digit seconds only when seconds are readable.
11.15
